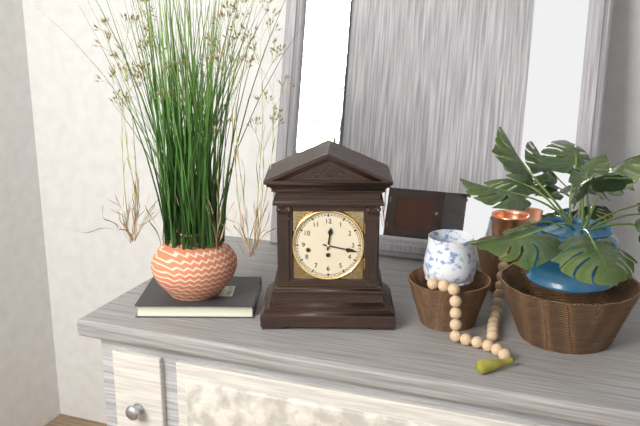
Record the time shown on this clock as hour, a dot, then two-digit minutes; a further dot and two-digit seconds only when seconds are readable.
12.17
